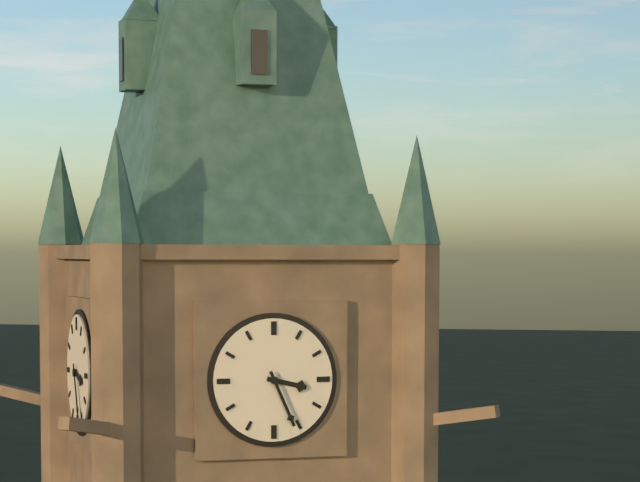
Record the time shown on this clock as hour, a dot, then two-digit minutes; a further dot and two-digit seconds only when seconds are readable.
3.26
